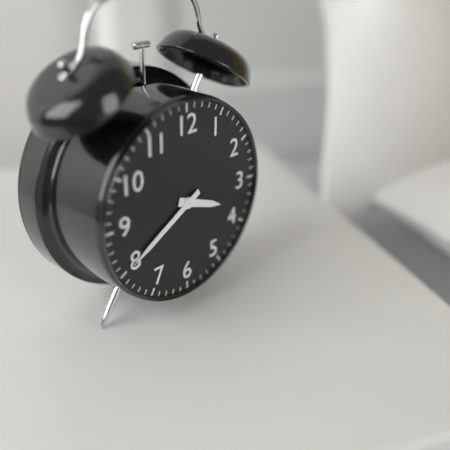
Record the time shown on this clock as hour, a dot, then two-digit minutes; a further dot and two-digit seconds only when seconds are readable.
3.40
